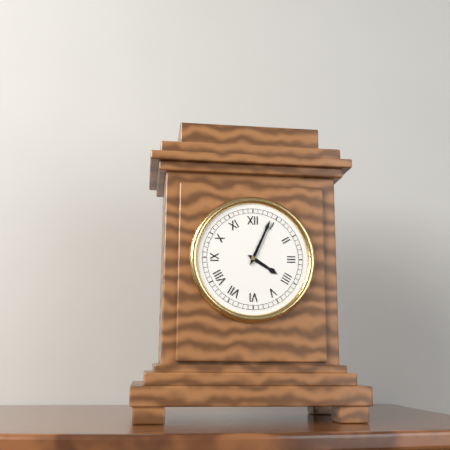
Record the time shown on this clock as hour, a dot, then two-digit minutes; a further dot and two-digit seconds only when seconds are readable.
4.04
